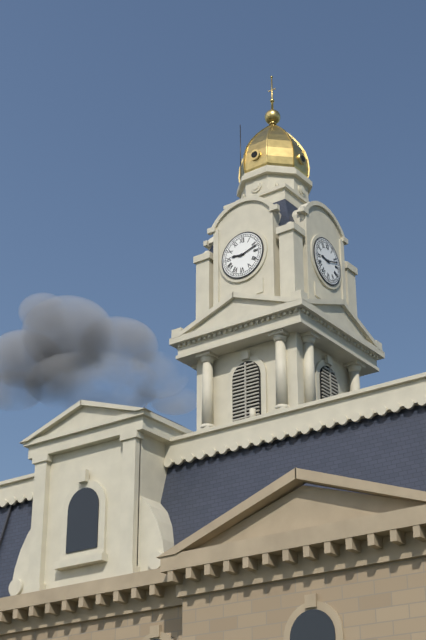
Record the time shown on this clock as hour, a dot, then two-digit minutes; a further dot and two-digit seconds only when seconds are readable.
9.12
